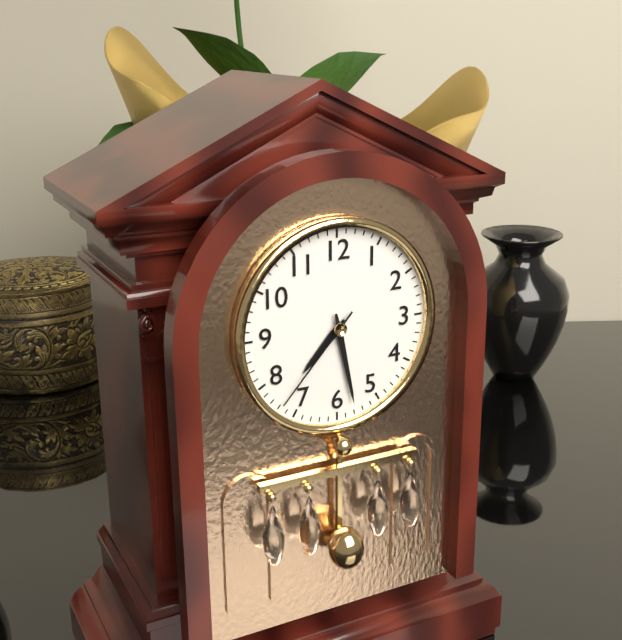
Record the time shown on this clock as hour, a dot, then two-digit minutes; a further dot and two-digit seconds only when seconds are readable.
7.28.37
